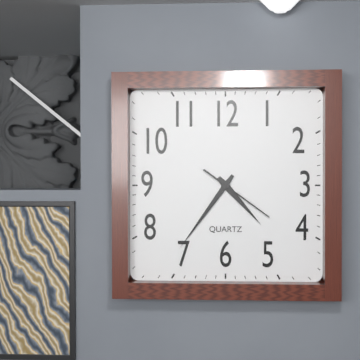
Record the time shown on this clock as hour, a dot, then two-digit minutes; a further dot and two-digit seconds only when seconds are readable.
4.36.21
